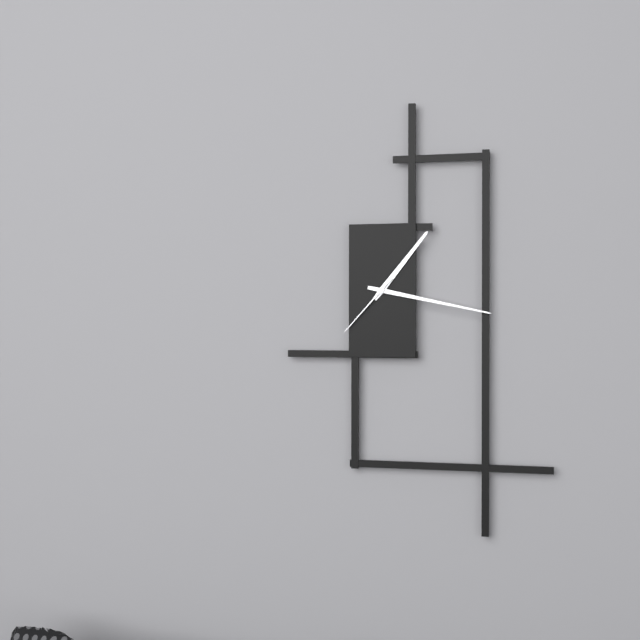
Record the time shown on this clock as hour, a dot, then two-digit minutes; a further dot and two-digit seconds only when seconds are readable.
1.17.37
